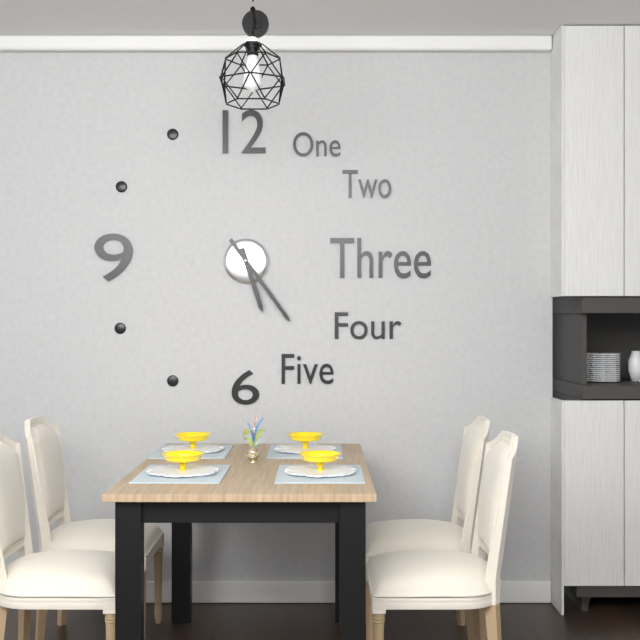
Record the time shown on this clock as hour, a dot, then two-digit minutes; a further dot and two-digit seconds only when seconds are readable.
5.24
